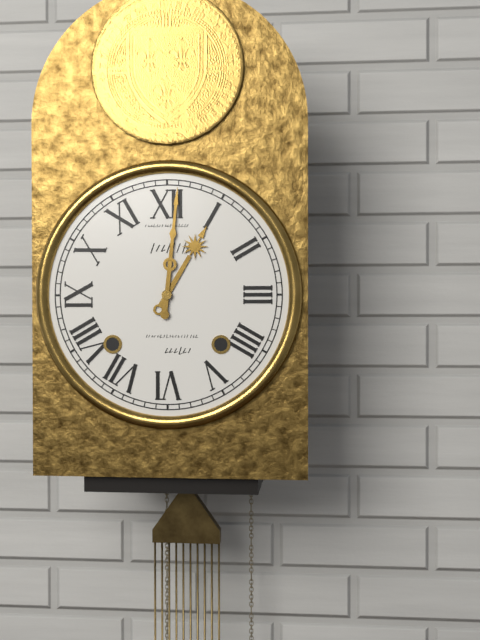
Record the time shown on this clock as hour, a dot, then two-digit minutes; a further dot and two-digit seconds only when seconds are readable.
1.01
